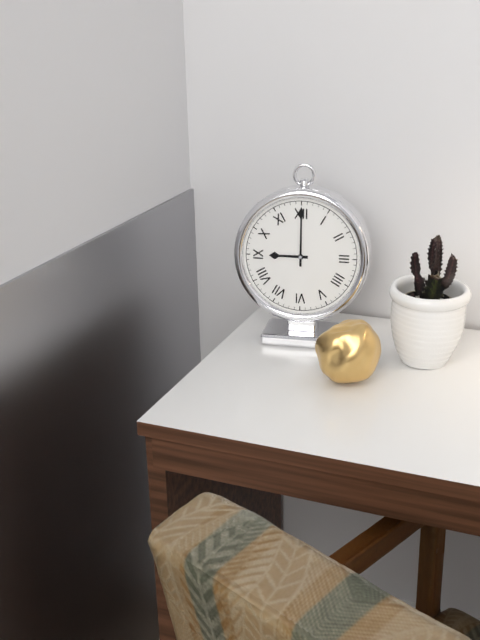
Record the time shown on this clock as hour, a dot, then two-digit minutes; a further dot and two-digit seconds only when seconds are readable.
9.00
